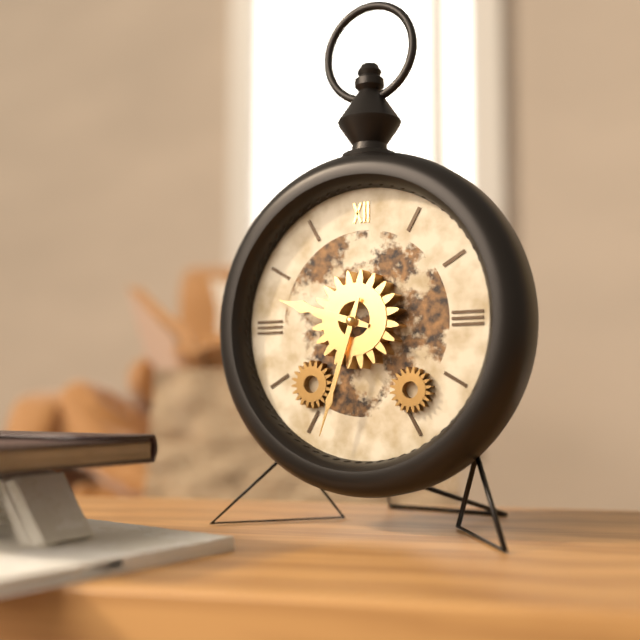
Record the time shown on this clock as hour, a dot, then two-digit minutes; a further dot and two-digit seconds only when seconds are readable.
9.33
